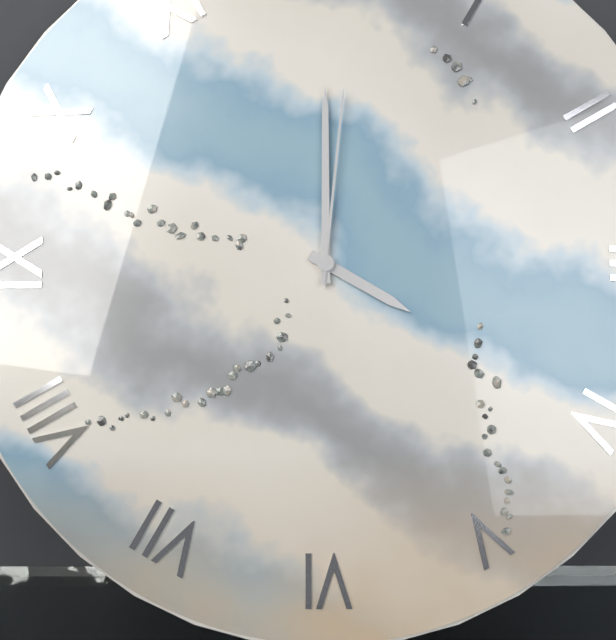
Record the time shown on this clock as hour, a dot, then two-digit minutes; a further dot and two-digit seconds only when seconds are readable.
4.00.01
